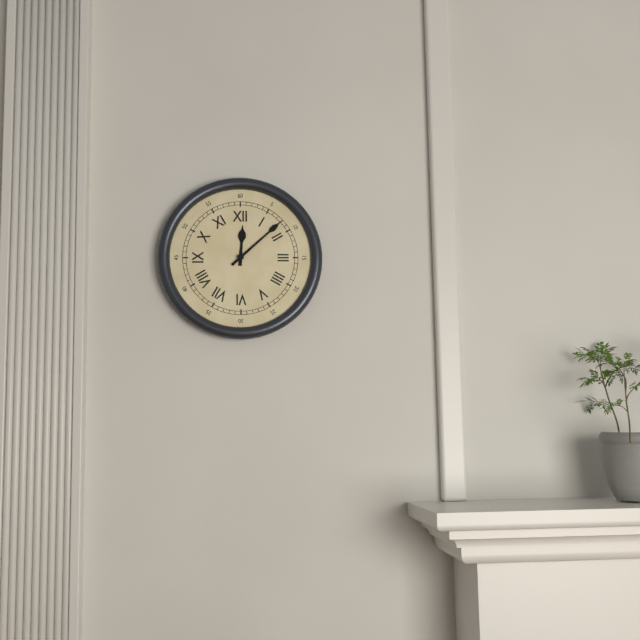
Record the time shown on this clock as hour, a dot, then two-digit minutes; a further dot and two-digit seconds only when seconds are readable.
12.08
